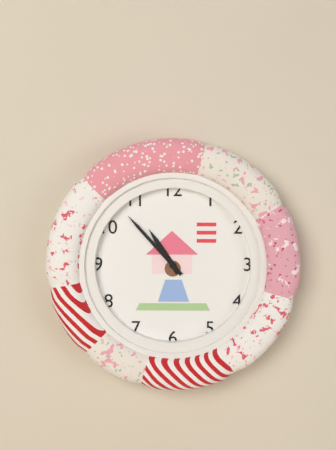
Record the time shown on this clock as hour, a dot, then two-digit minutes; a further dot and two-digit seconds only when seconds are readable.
10.53
